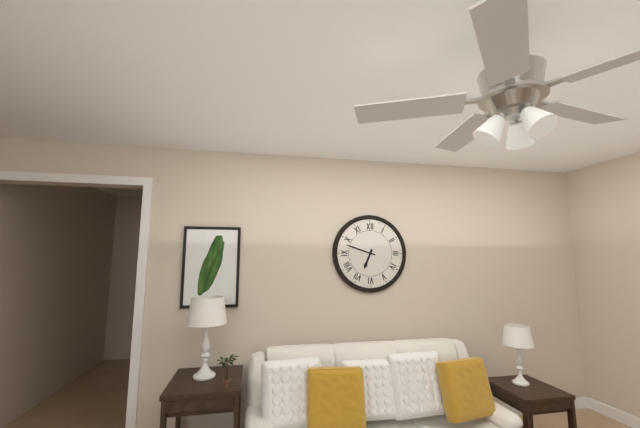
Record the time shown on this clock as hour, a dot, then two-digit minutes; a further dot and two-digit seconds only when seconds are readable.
6.48
